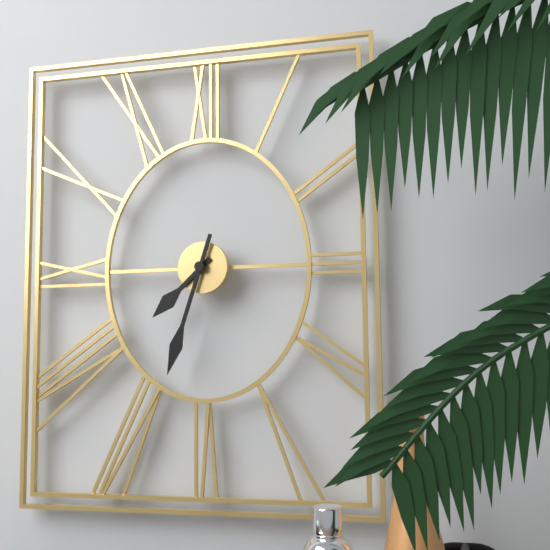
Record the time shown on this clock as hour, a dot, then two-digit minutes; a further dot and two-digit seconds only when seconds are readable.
7.33
